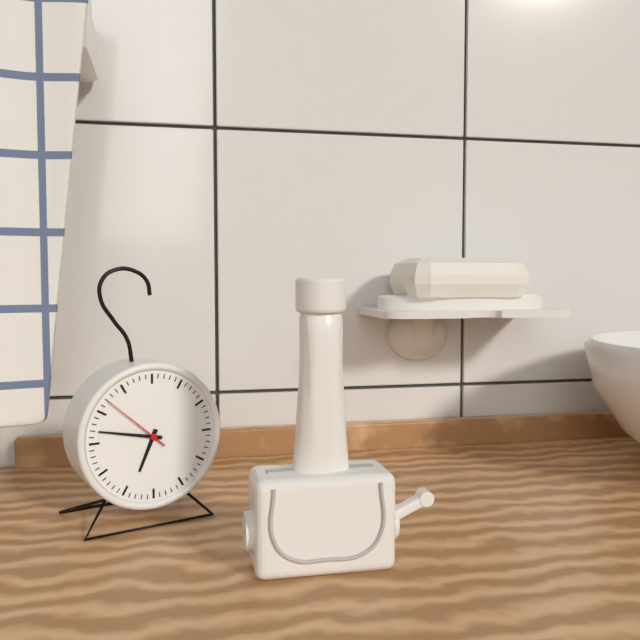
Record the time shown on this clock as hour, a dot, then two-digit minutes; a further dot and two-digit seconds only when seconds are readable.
6.47.52
